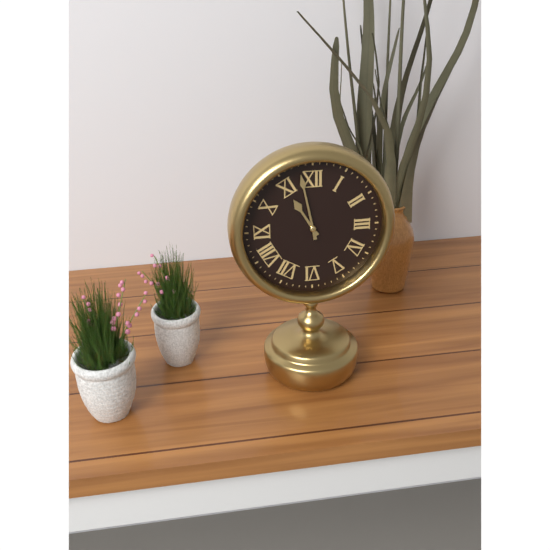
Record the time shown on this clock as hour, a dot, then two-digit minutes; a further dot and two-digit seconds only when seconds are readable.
10.58
